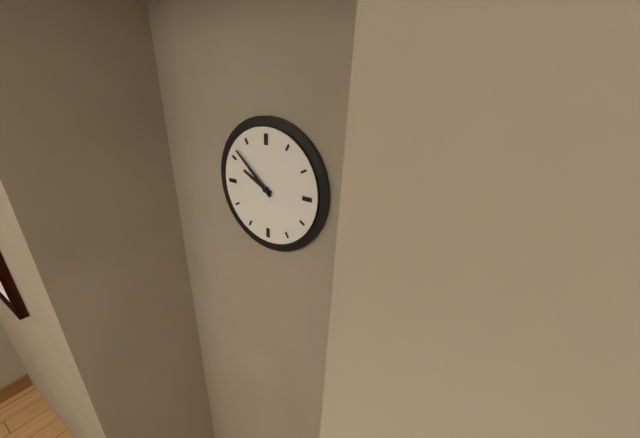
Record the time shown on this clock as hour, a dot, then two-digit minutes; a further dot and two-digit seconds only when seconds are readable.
9.52
